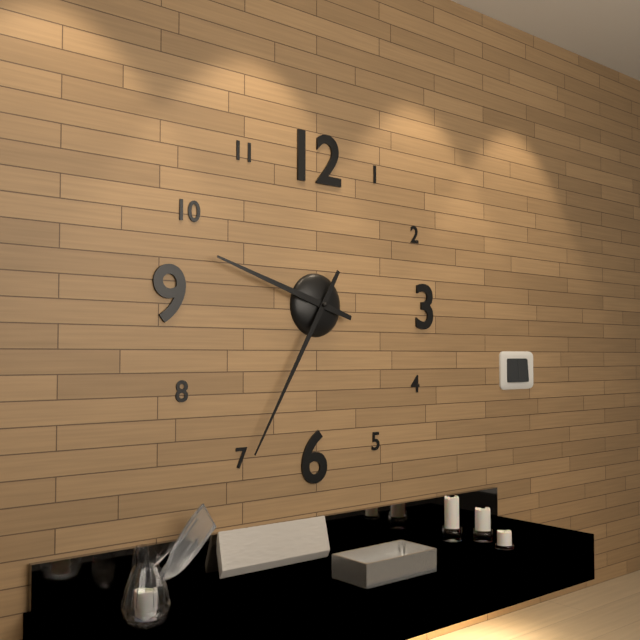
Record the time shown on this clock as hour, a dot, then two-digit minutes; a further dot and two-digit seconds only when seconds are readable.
9.35
